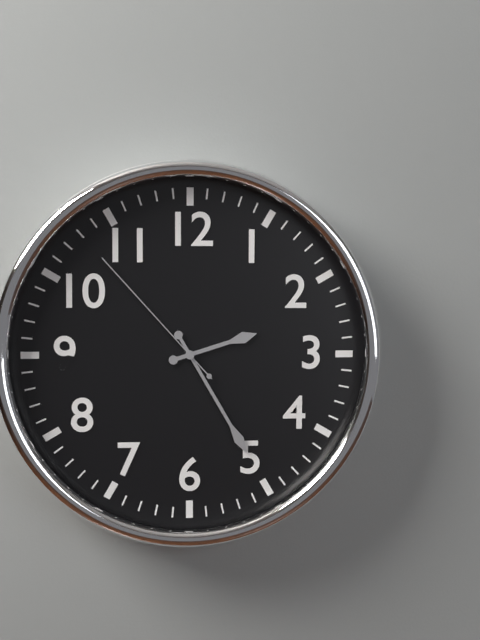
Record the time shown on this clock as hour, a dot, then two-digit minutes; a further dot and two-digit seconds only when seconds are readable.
2.25.53
